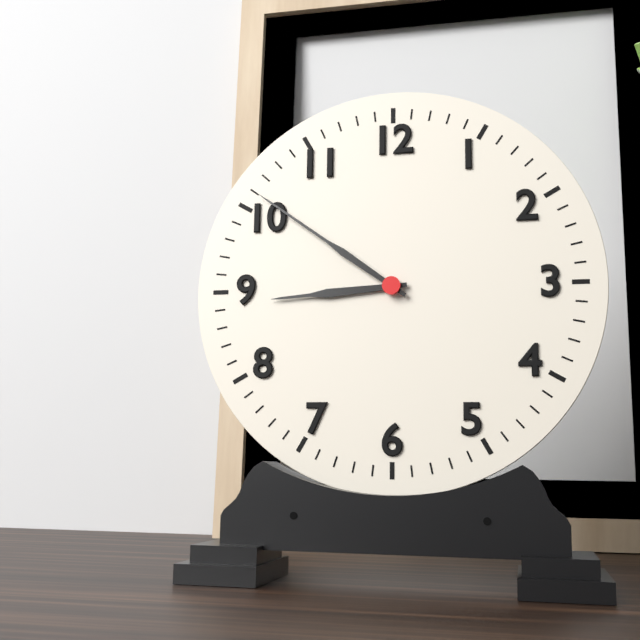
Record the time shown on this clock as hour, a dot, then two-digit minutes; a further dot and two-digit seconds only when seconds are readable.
8.51
